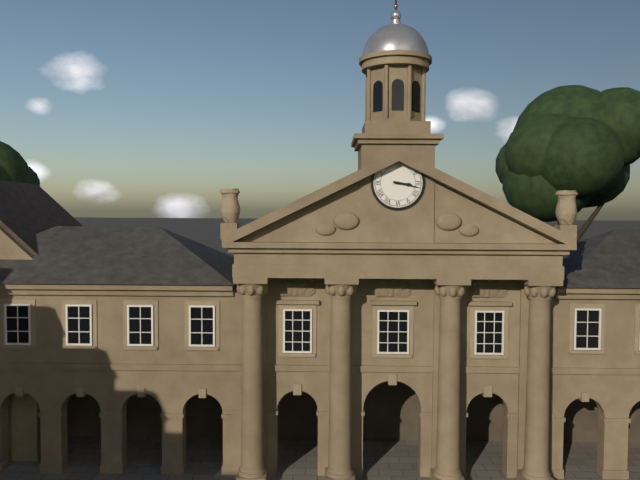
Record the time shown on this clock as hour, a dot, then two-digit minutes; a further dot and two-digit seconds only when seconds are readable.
3.17
